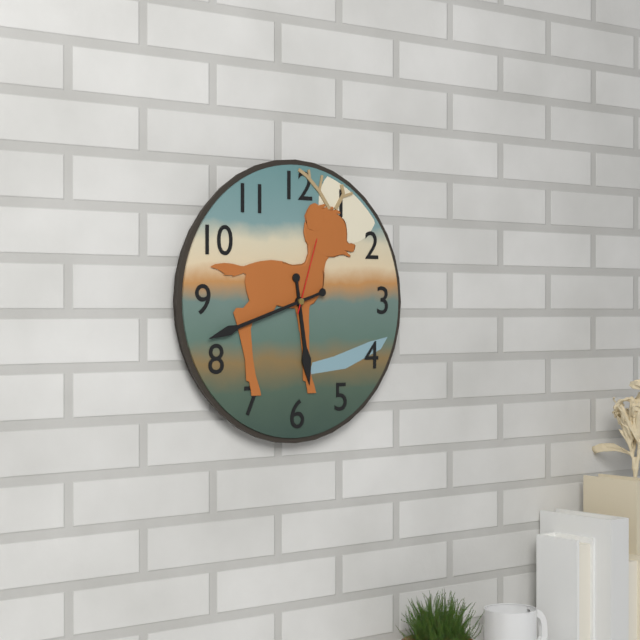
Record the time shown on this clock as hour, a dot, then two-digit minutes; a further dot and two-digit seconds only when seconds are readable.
5.42.03
